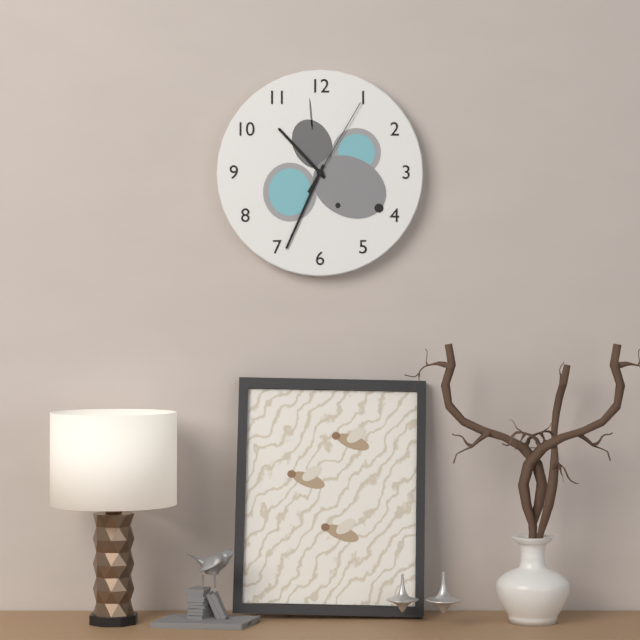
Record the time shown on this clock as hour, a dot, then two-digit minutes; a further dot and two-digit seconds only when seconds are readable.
10.34.05
